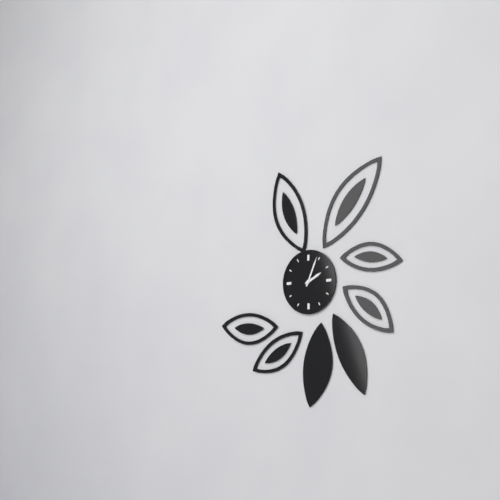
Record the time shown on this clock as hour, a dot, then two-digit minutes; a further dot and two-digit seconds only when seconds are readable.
2.04
